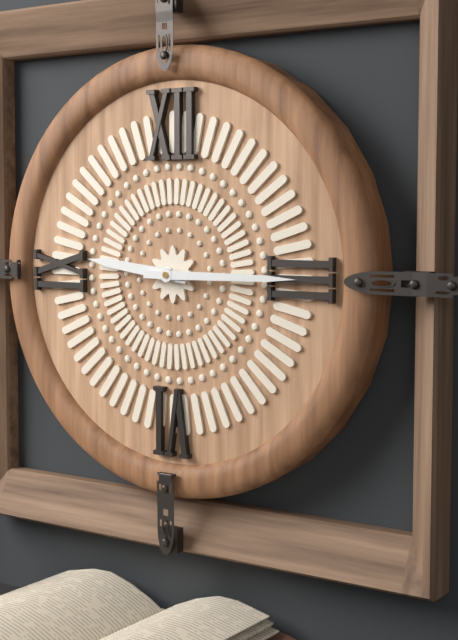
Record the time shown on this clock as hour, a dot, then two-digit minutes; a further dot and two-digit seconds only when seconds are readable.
9.15
